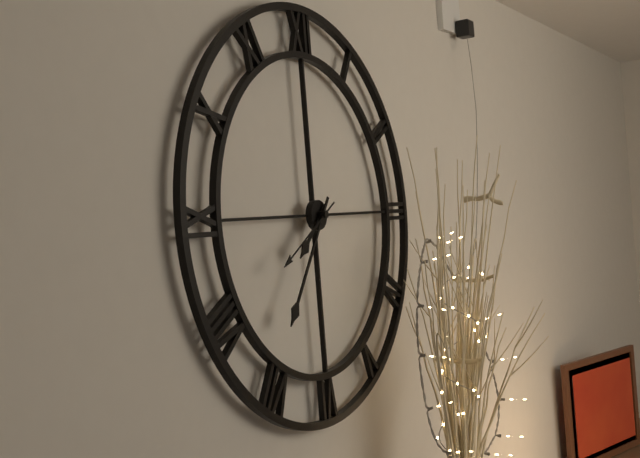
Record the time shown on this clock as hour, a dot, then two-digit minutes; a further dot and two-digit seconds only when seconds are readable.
7.36.40
